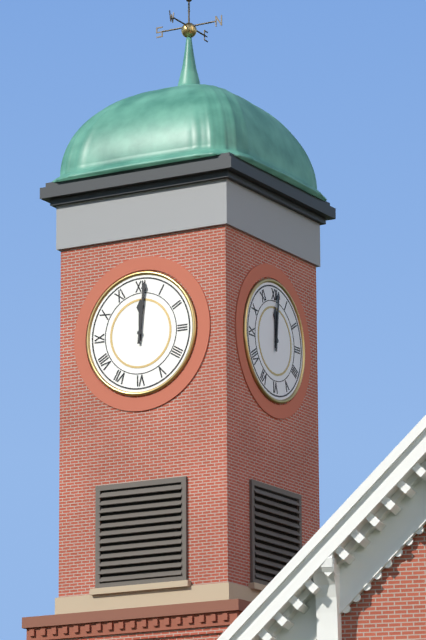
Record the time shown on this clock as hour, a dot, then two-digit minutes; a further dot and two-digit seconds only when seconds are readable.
12.01
